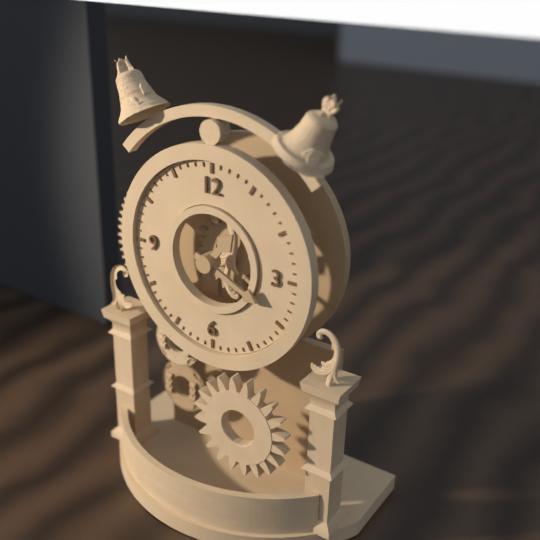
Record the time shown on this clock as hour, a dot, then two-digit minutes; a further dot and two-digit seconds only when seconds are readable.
1.19
